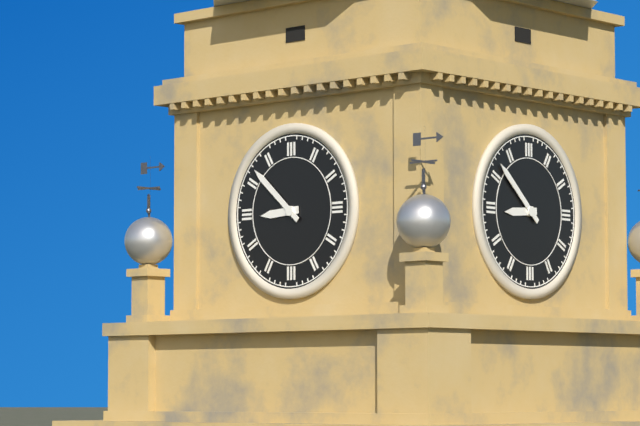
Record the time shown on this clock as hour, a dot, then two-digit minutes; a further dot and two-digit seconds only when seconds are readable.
8.52
